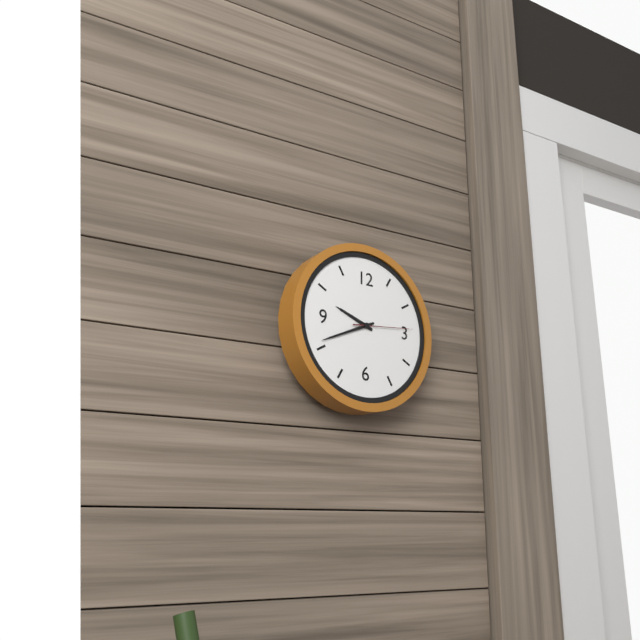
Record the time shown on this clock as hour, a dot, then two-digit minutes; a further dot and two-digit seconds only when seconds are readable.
9.41.14
